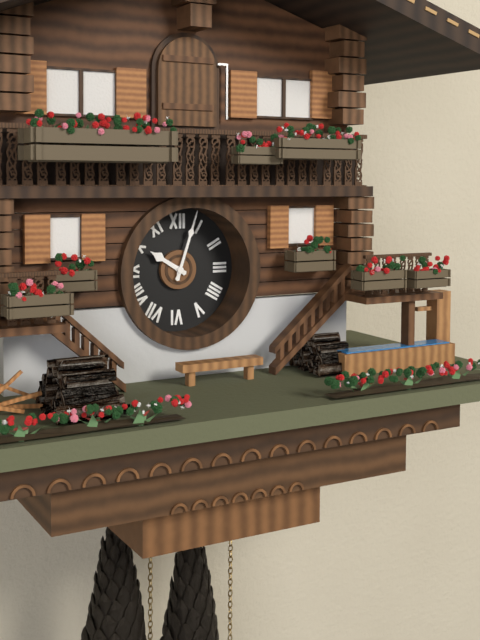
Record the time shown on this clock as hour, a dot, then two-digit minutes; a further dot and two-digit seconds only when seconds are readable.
10.03
